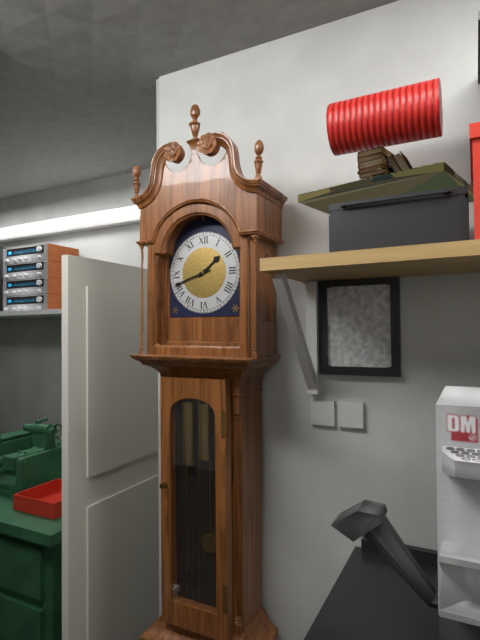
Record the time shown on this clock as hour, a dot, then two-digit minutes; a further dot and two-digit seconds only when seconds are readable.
1.42
